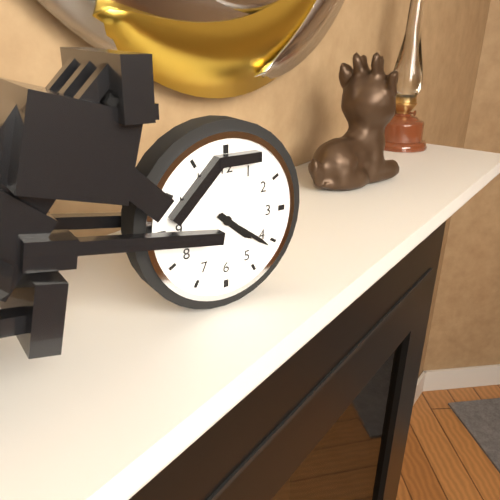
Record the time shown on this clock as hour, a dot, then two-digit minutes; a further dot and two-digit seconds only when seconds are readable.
4.21
